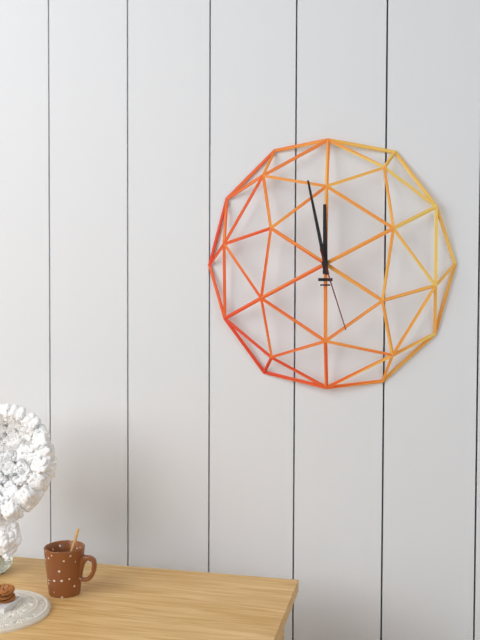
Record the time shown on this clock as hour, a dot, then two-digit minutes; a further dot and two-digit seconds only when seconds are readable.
11.58.27
